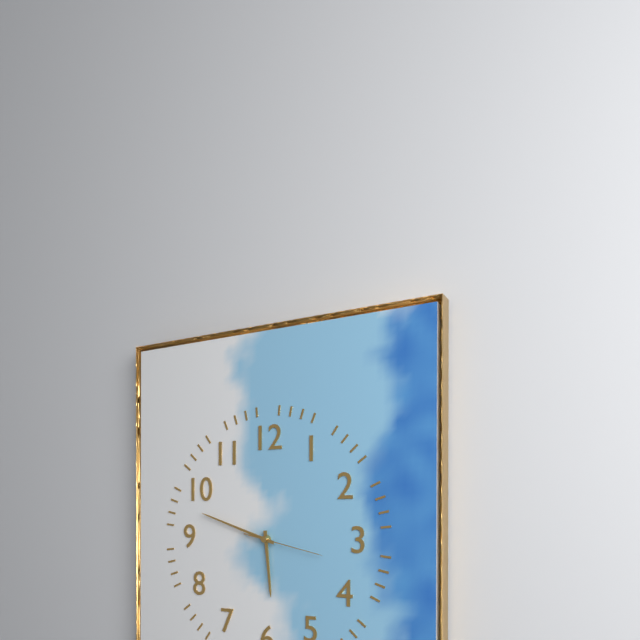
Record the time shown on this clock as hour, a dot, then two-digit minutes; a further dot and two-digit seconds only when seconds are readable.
5.48.17
